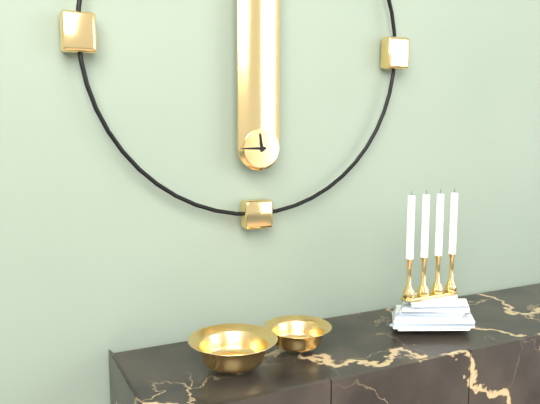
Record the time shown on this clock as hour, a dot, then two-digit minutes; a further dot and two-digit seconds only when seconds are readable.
11.45
